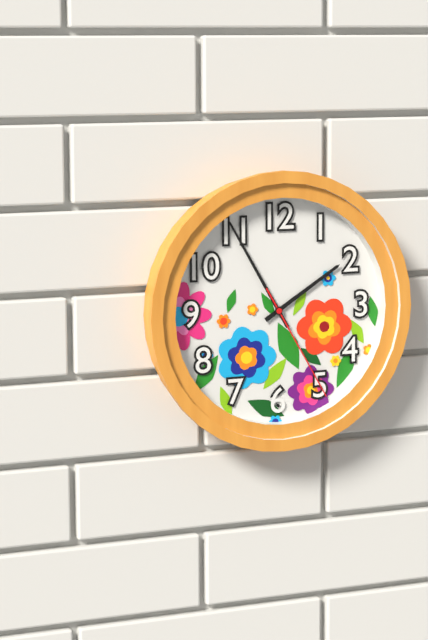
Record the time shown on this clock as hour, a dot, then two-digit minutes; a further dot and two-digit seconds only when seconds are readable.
1.55.25
